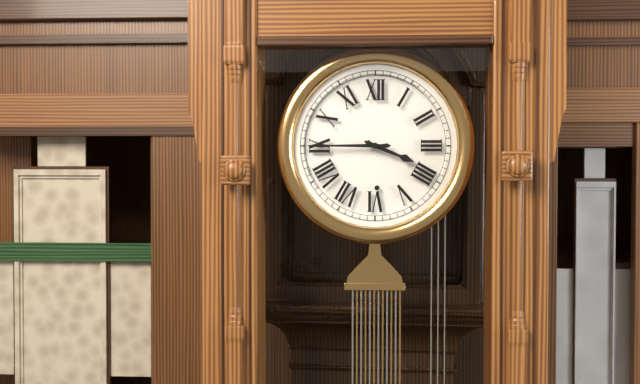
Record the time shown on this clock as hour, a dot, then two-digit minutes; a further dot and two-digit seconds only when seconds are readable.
3.45
